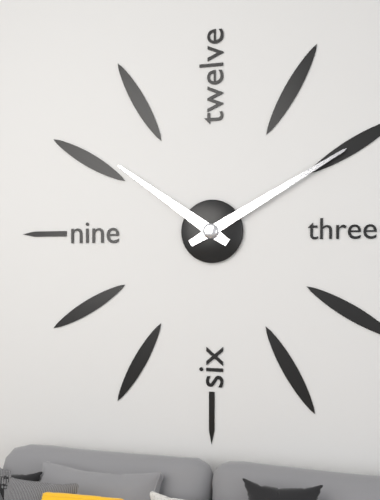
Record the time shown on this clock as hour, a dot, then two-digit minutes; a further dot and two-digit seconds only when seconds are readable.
10.10
